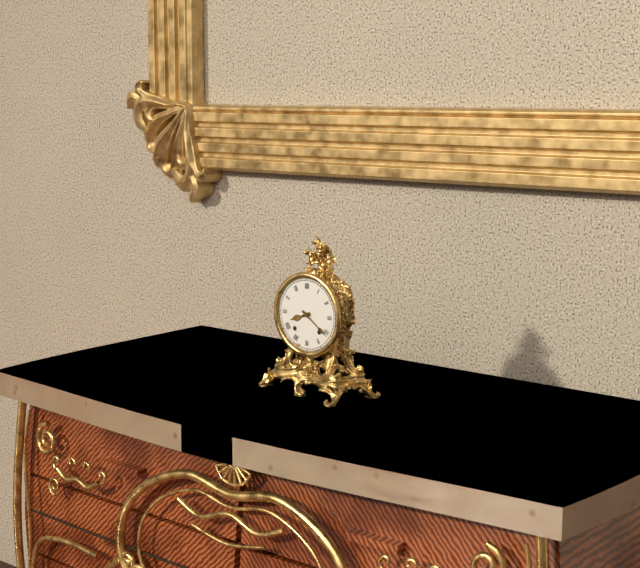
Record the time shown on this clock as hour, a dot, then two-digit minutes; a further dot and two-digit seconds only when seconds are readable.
8.21
